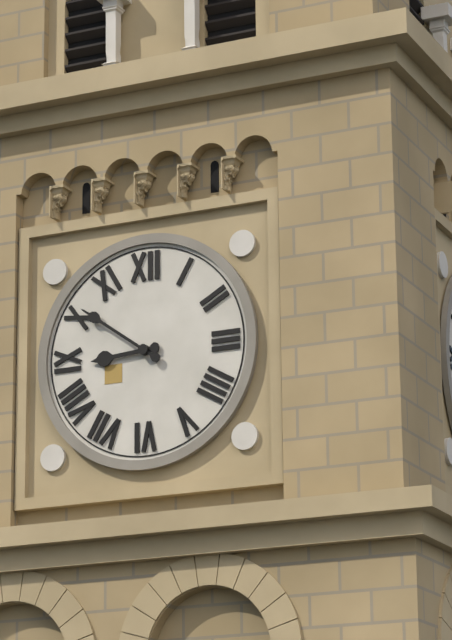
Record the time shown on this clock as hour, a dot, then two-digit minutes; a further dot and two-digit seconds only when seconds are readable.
8.51
